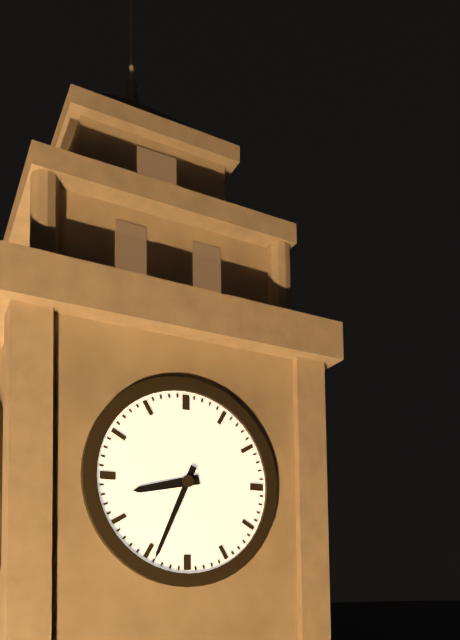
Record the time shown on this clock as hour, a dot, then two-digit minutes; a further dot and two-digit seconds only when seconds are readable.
8.34
